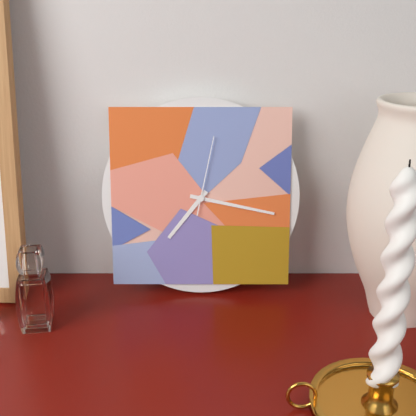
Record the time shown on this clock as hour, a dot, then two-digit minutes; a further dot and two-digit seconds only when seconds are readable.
7.17.02
